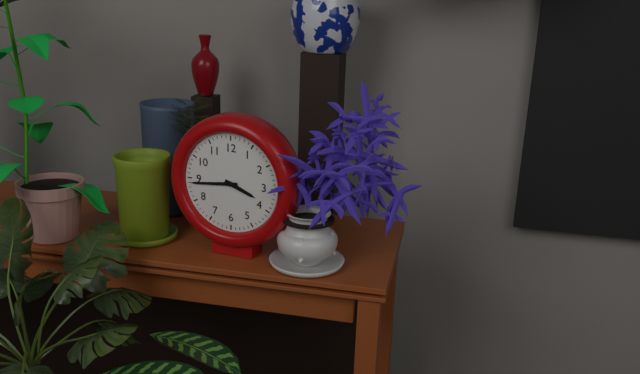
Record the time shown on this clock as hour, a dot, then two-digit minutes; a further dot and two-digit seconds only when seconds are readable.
3.44
